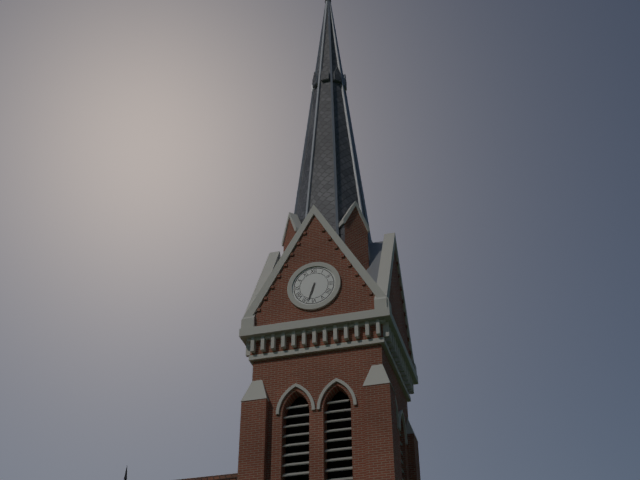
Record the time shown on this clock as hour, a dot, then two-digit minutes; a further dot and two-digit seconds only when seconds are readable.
6.33
